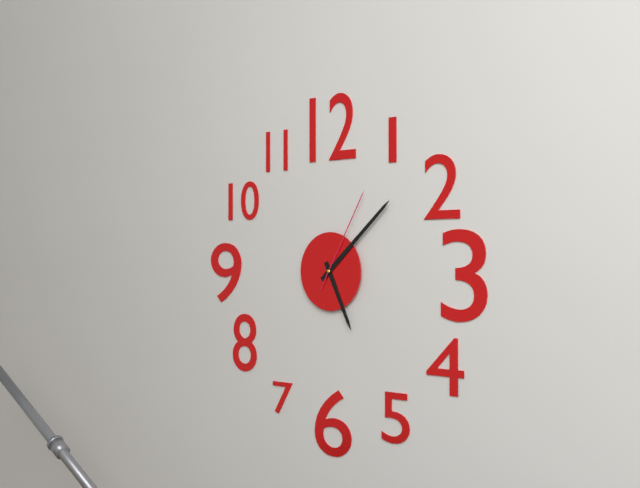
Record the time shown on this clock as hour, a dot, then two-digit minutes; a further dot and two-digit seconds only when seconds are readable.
5.08.05
